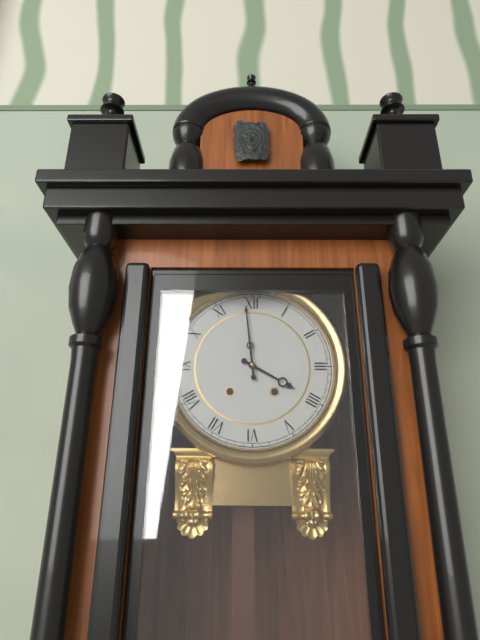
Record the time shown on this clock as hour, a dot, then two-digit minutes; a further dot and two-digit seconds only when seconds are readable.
3.59
